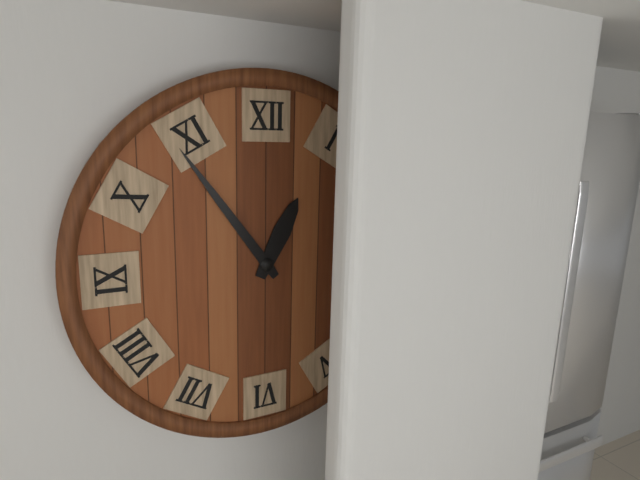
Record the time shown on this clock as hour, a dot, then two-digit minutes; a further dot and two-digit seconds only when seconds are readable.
12.54
